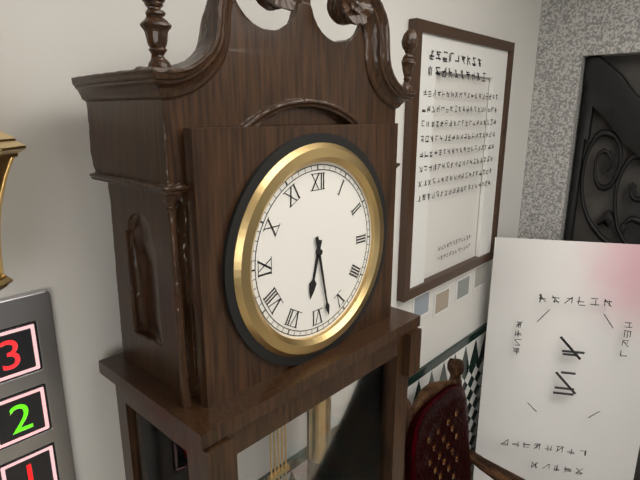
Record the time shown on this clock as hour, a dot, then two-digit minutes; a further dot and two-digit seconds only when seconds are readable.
6.28
